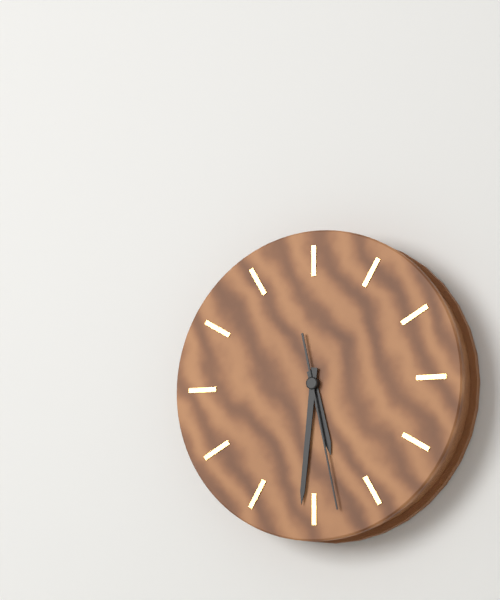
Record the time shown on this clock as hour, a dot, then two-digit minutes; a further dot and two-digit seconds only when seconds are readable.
5.31.28
